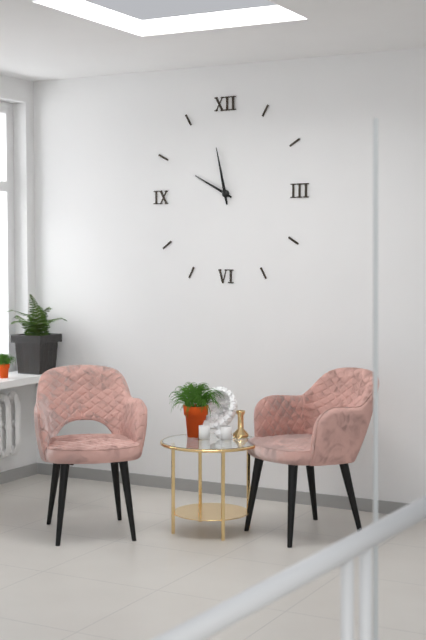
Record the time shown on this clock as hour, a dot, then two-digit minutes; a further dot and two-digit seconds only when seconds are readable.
9.58
